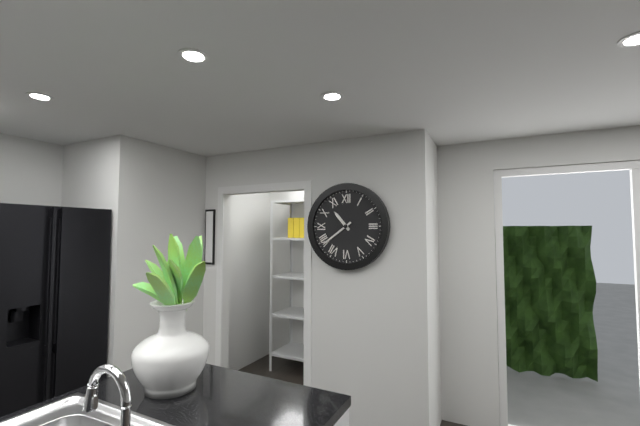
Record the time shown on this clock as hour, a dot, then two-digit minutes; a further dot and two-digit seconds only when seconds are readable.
10.39
